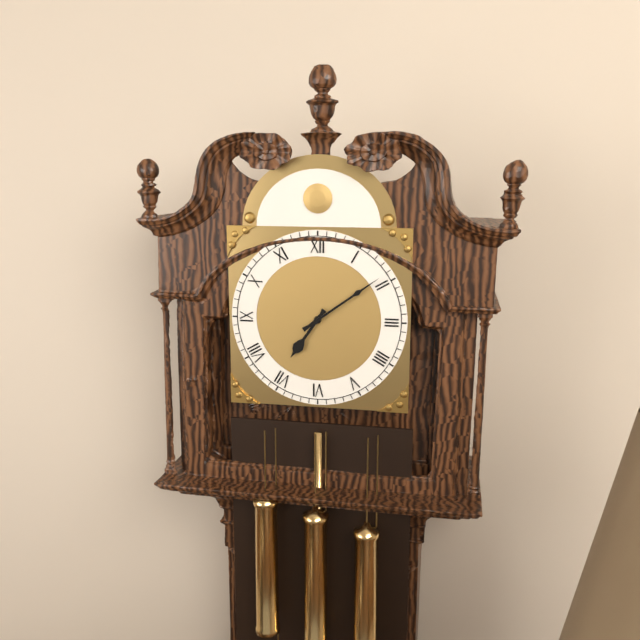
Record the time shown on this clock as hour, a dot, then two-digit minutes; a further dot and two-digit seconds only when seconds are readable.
7.09
